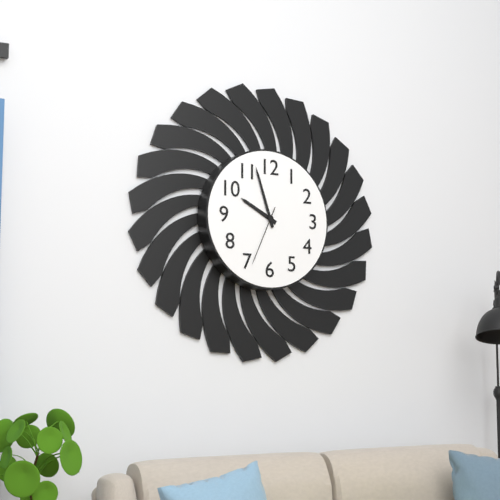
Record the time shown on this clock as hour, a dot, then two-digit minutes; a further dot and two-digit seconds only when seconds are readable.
9.57.34
